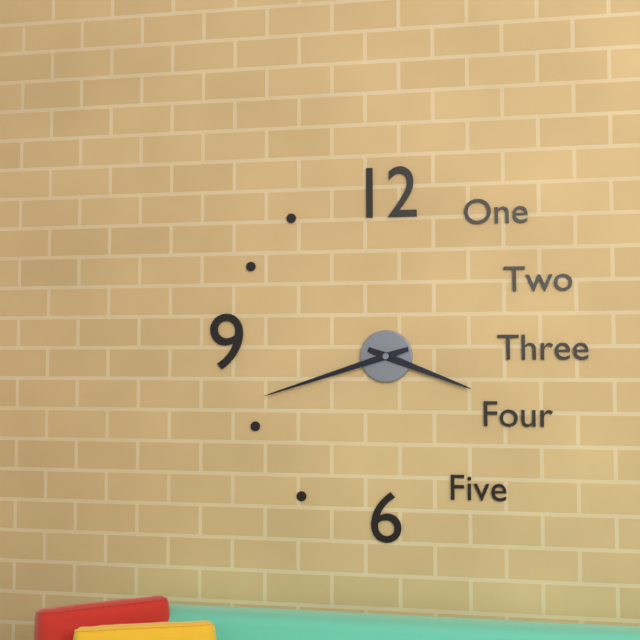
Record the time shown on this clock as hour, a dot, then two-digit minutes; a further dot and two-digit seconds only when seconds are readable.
3.42
